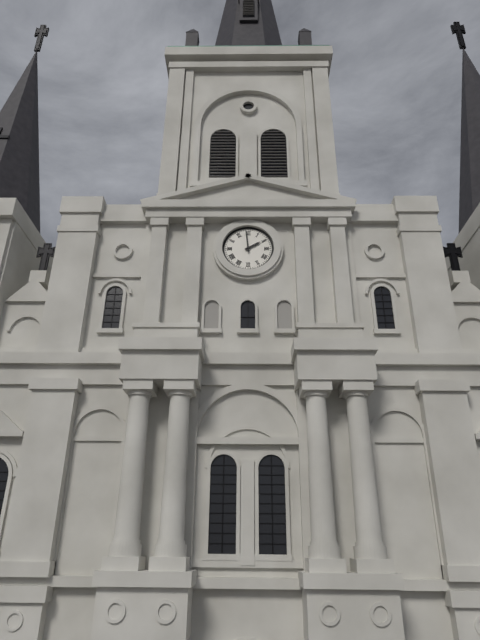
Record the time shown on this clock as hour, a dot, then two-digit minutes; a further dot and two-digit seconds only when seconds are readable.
1.59
